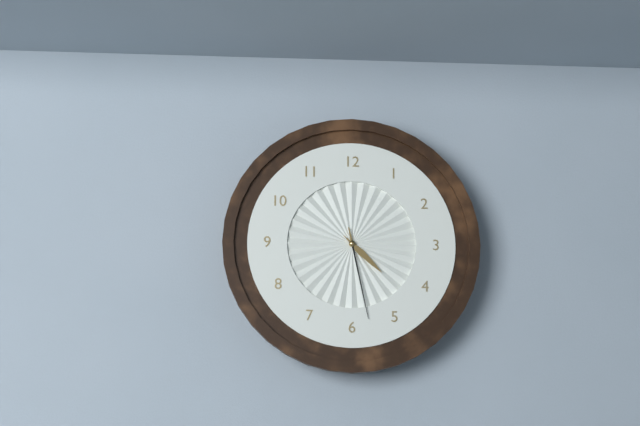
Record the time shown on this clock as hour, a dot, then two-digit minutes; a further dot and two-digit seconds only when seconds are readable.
4.28
